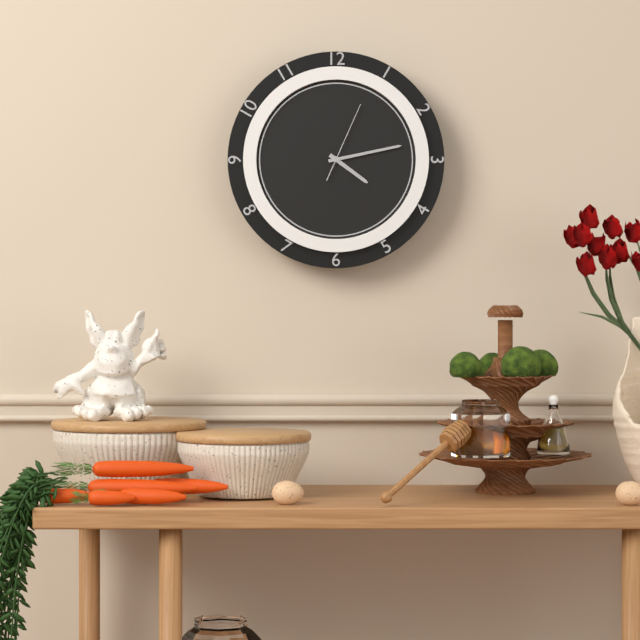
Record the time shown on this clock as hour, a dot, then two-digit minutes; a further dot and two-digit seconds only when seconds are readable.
4.13.04
